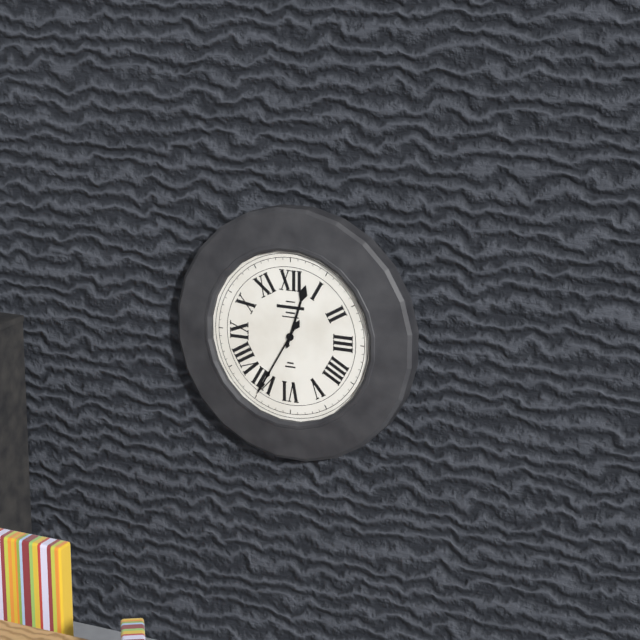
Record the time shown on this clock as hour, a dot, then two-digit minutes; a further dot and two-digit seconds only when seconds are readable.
12.35
